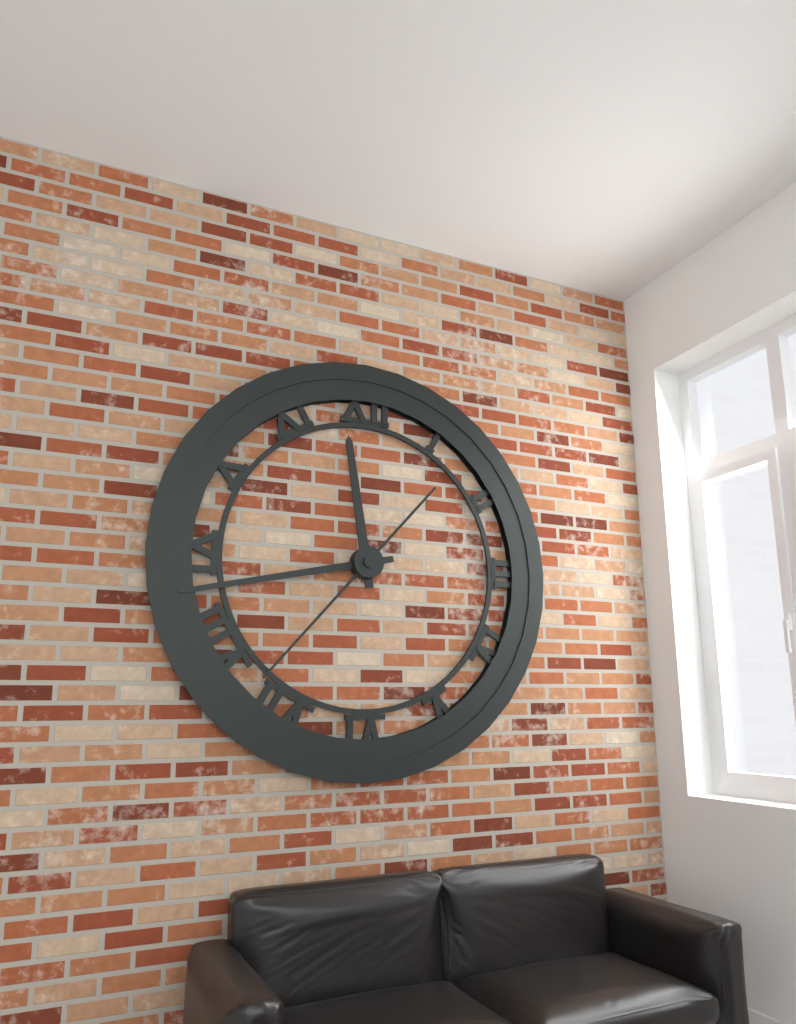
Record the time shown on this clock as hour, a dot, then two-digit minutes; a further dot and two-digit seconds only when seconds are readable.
11.43.37
